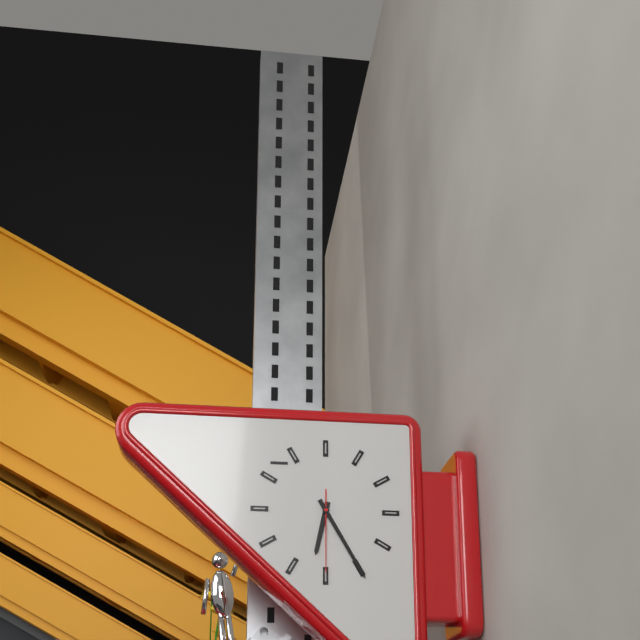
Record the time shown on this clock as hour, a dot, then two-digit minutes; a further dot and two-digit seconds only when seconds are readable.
6.25.30
